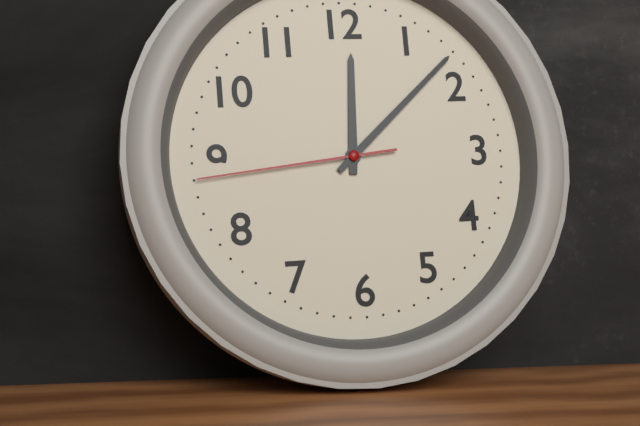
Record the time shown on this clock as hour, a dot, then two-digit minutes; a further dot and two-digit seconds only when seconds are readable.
12.08.44
